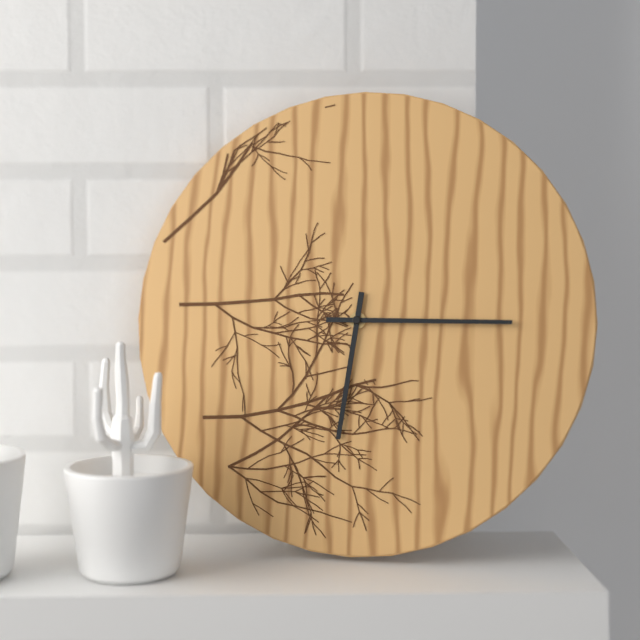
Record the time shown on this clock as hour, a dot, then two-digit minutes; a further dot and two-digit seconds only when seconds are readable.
6.15
